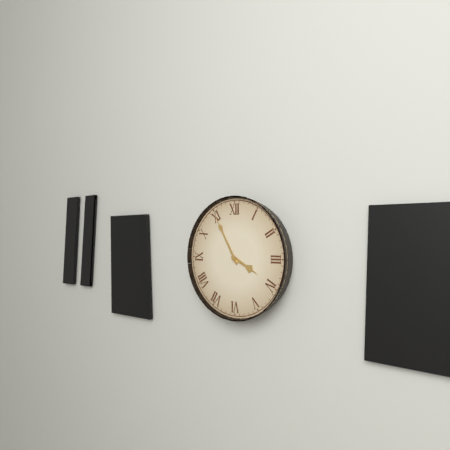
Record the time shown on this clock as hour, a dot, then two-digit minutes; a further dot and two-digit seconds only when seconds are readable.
3.55
